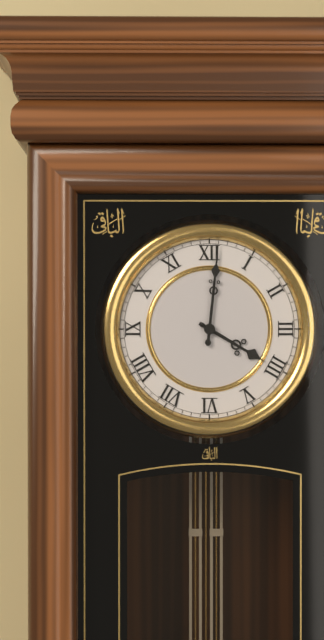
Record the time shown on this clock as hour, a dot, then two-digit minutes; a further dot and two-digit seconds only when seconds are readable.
4.01
